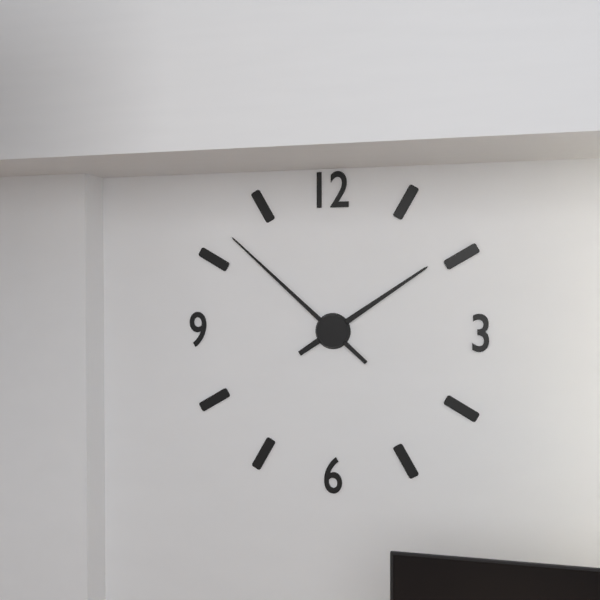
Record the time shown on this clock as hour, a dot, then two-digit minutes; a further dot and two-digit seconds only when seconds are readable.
1.52
